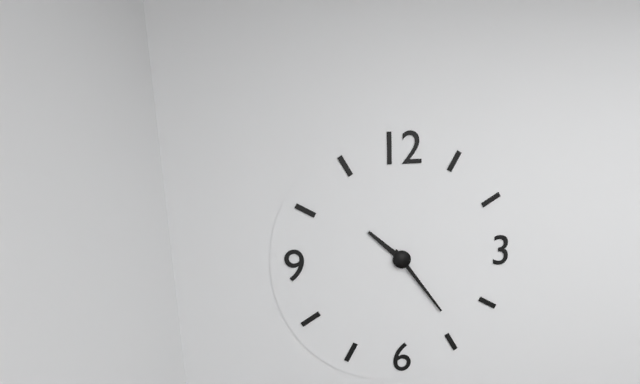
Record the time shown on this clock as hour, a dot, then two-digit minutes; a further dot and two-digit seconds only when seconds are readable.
10.24
